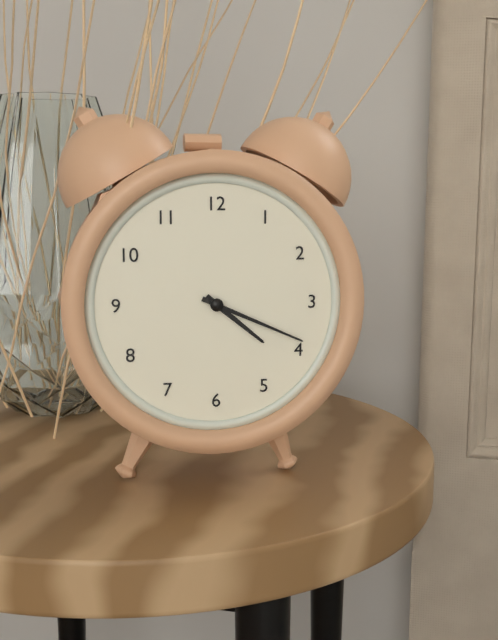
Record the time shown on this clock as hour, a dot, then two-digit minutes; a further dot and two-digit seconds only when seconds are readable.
4.19
